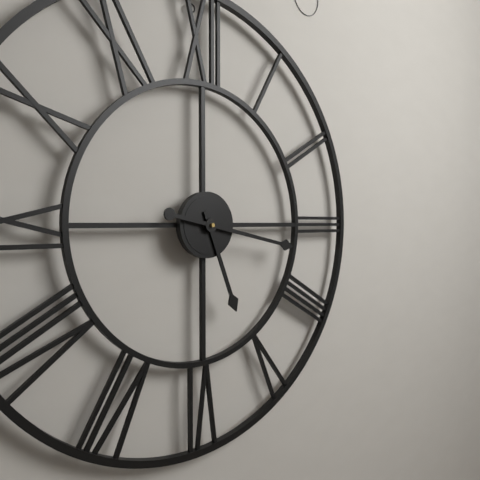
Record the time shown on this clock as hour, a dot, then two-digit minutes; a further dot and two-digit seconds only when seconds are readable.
5.17
